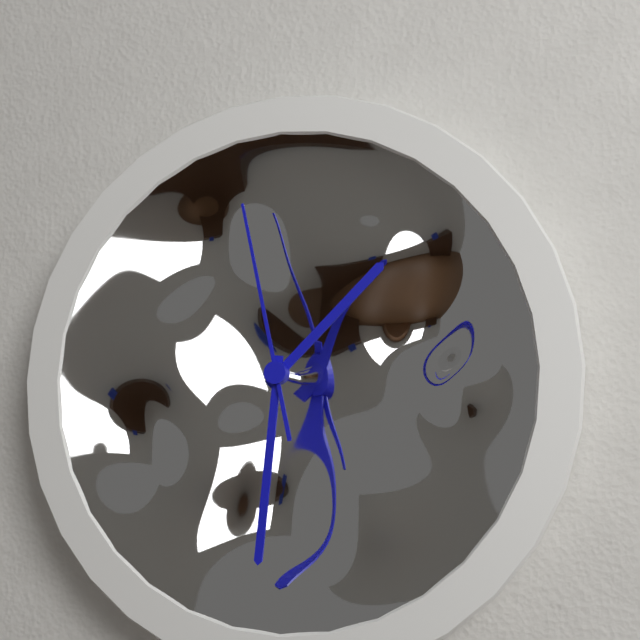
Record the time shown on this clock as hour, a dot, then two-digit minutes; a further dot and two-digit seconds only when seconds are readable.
1.31.58
